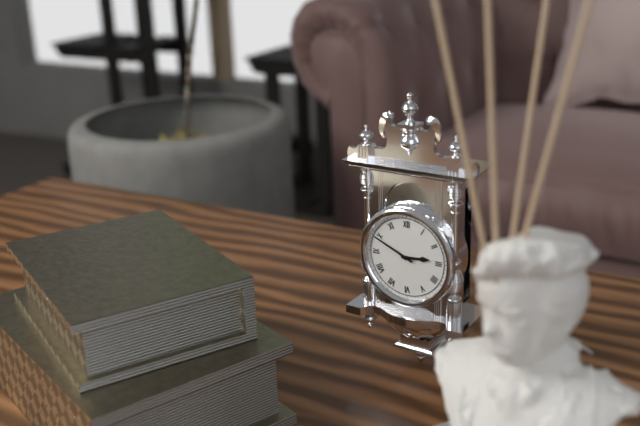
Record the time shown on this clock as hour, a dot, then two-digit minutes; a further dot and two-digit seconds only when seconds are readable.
2.49
